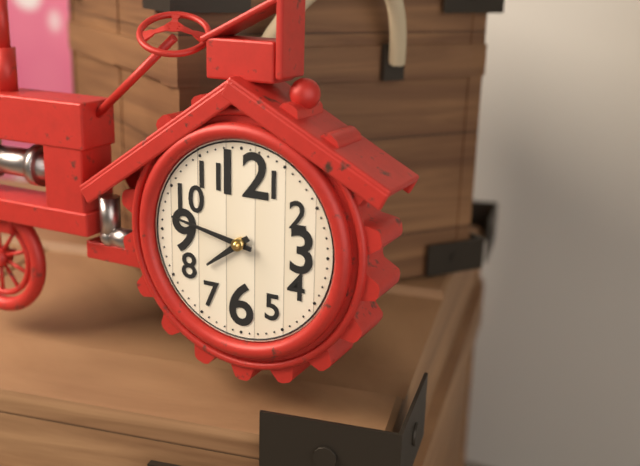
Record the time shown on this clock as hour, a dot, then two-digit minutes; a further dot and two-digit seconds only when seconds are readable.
7.47
